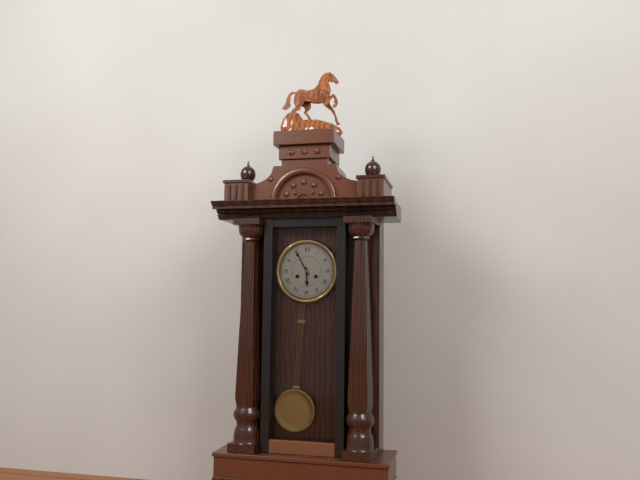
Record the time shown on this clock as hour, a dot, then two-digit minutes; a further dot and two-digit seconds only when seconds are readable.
5.55
